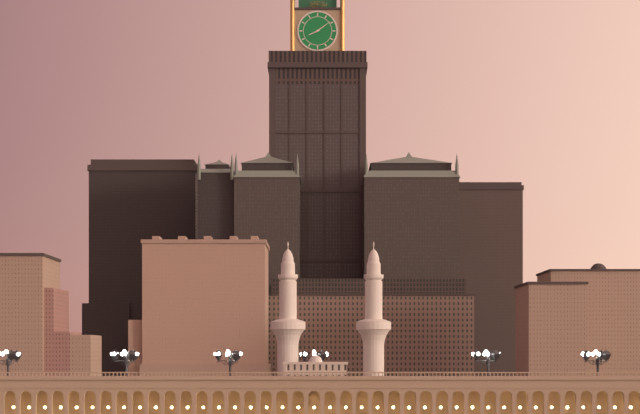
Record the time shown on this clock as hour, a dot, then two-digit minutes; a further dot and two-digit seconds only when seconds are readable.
8.09
